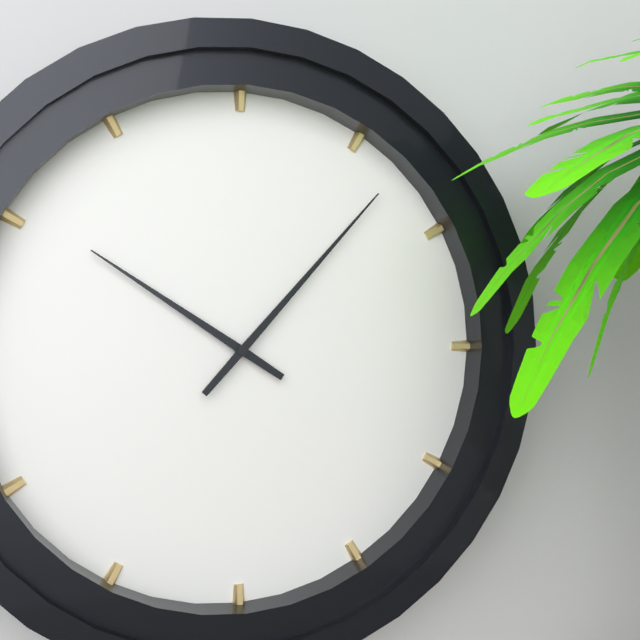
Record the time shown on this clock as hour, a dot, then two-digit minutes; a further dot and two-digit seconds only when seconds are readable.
10.07
